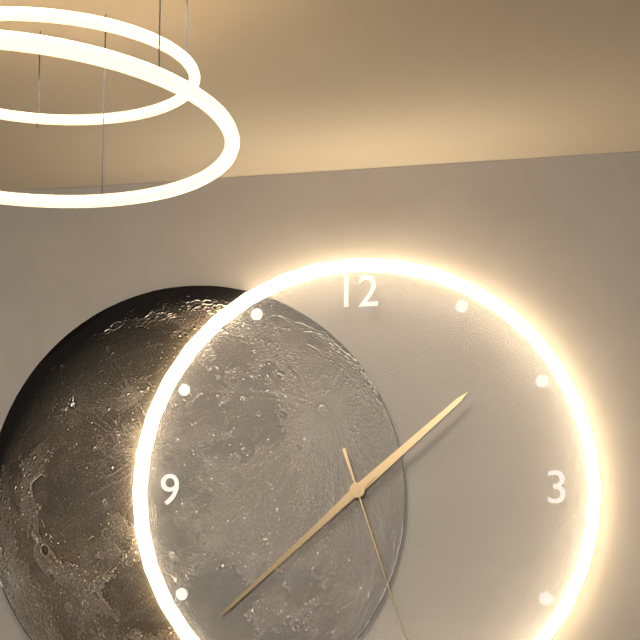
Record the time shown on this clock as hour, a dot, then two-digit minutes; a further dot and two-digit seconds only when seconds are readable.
1.38
